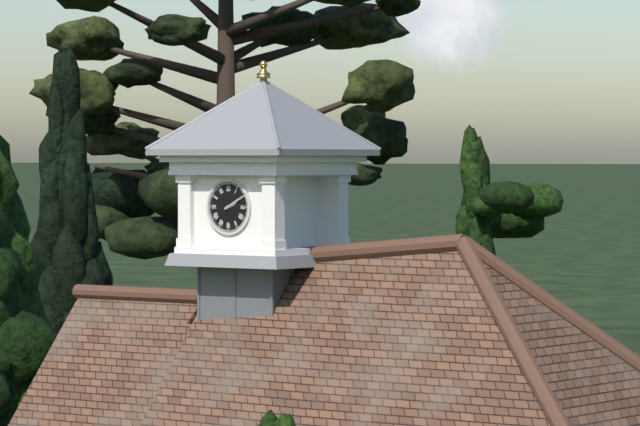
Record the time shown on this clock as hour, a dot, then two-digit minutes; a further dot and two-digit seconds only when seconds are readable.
2.10
